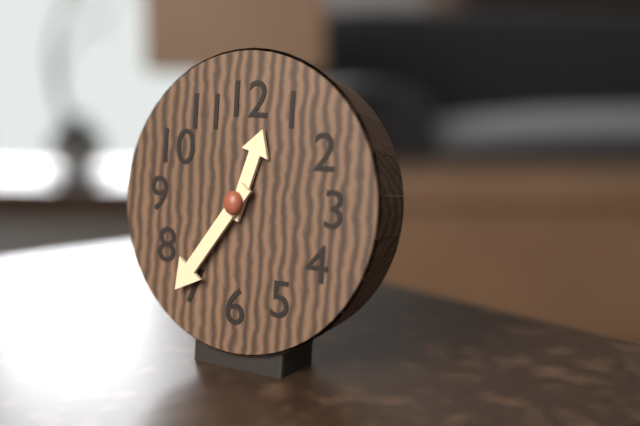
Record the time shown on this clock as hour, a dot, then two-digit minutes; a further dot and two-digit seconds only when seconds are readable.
12.36
